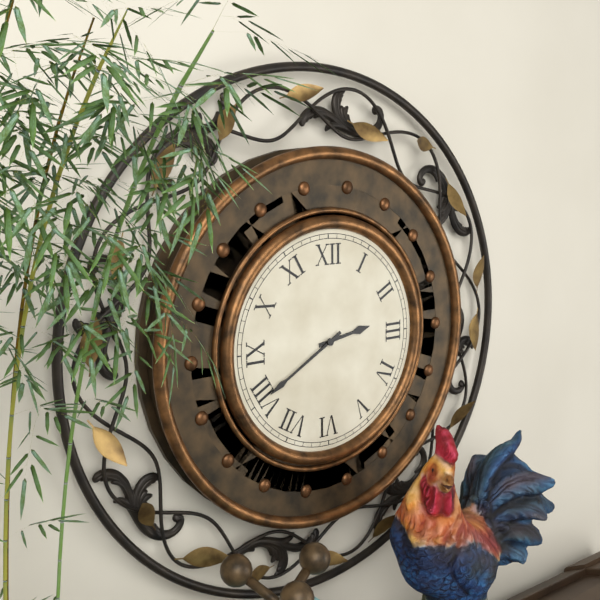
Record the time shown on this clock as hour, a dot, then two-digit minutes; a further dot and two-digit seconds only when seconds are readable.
2.40
